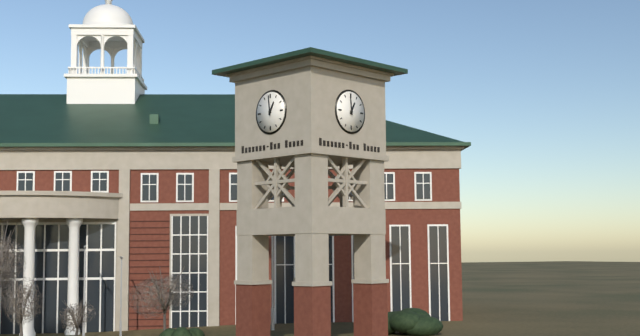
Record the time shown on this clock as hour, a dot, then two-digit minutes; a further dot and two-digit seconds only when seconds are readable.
12.59
